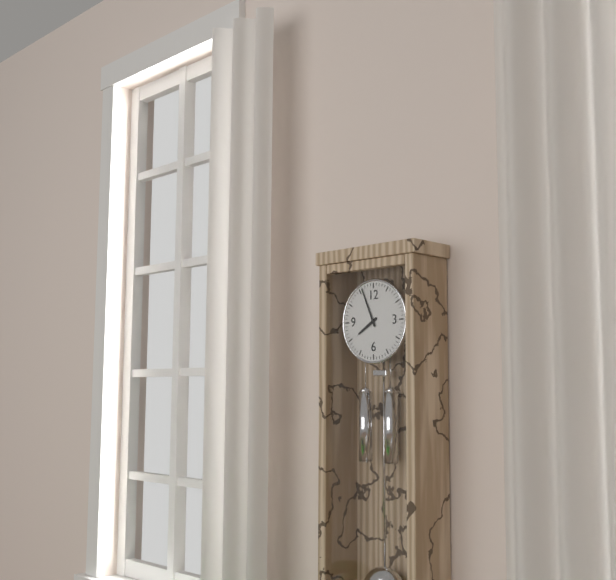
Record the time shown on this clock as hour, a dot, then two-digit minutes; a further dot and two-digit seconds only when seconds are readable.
7.56
